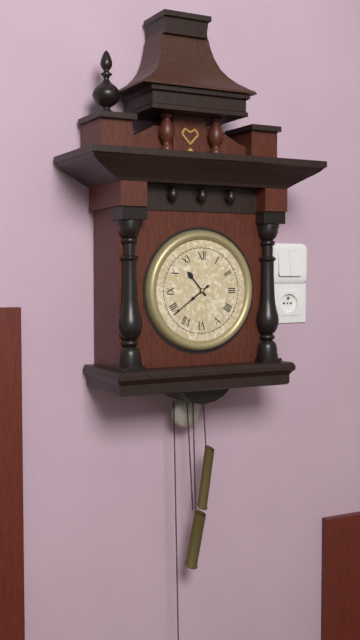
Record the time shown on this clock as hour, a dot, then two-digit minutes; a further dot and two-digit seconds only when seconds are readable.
10.39
